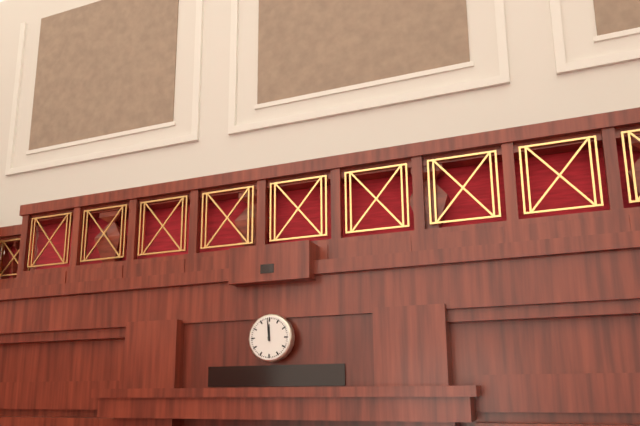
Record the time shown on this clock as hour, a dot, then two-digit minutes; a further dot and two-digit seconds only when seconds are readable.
11.59
